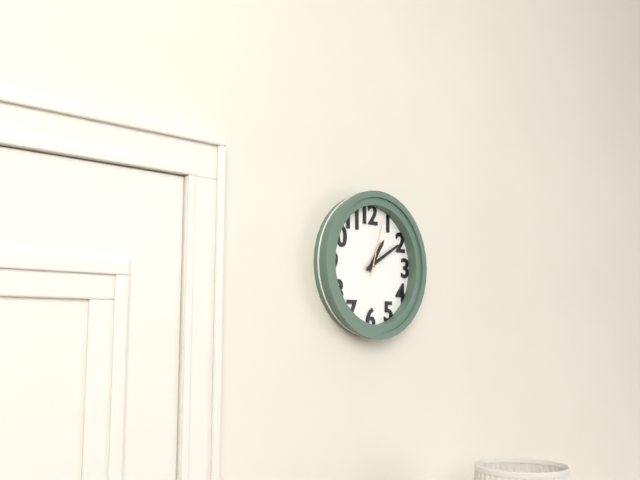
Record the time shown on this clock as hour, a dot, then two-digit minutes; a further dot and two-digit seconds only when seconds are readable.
1.10.03
